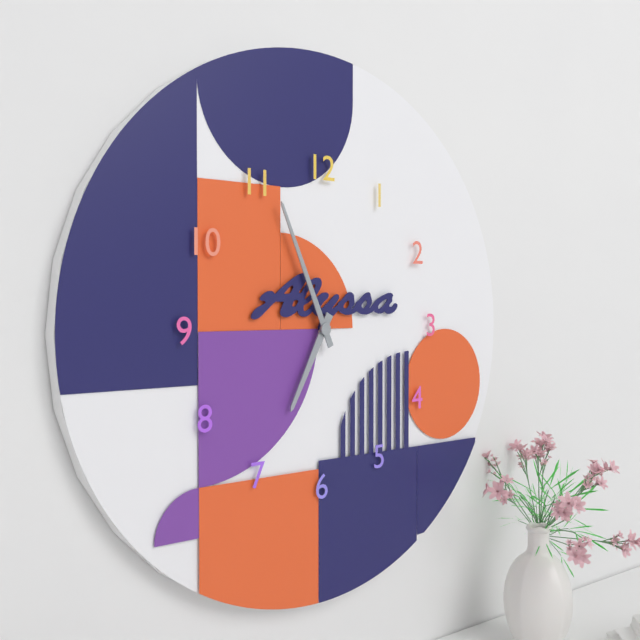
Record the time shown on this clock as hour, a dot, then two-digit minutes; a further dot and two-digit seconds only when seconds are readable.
6.56
